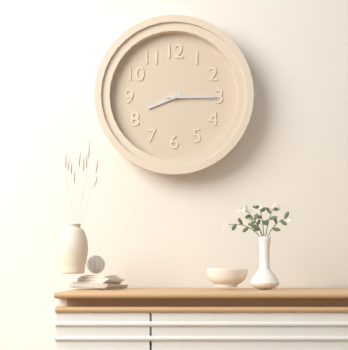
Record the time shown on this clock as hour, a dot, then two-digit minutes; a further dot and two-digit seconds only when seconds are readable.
8.15
